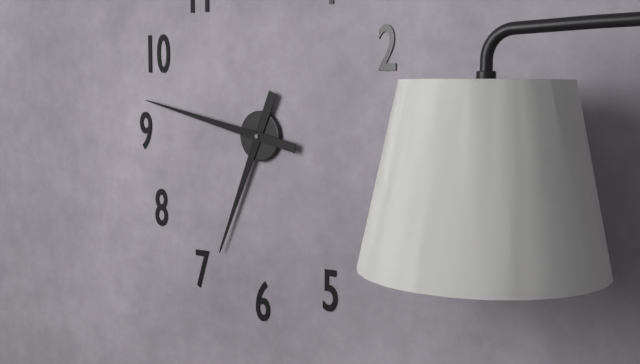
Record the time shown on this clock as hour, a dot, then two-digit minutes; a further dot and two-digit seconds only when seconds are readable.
6.47
